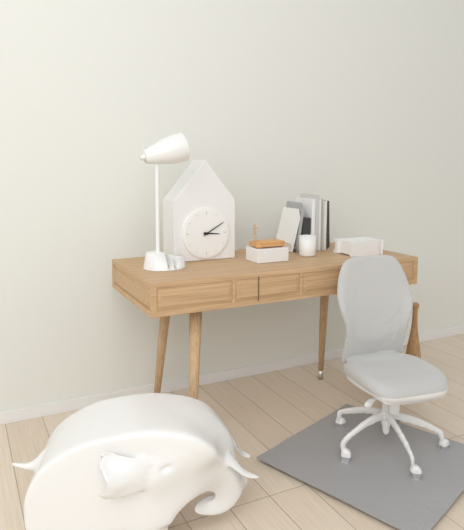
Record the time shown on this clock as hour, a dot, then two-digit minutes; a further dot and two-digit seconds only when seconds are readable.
3.10
